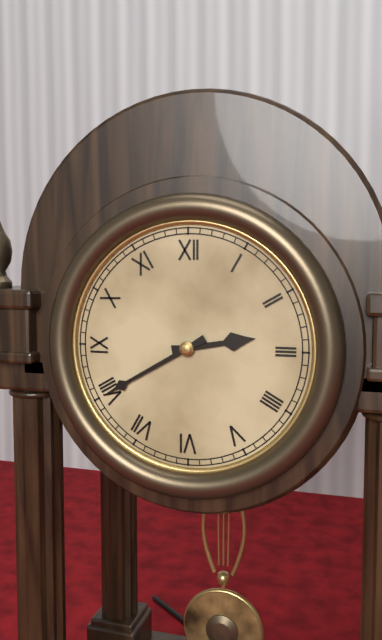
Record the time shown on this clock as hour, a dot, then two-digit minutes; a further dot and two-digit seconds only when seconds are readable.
2.40
